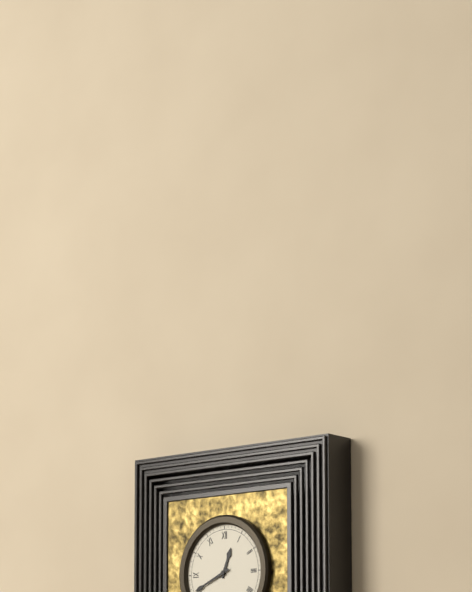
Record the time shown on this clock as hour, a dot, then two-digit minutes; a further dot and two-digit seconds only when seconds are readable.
12.41
